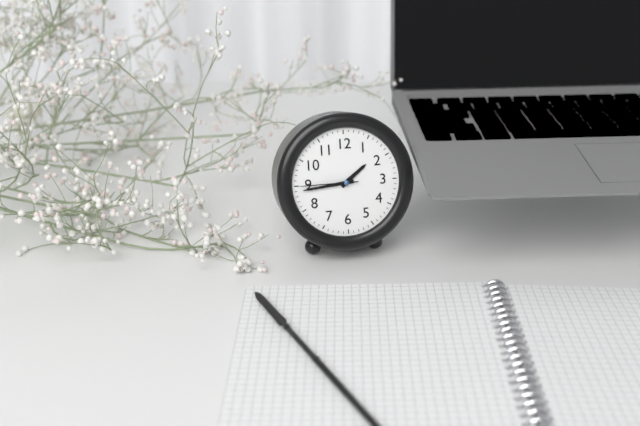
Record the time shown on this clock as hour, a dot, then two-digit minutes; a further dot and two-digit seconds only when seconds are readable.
1.44.45
